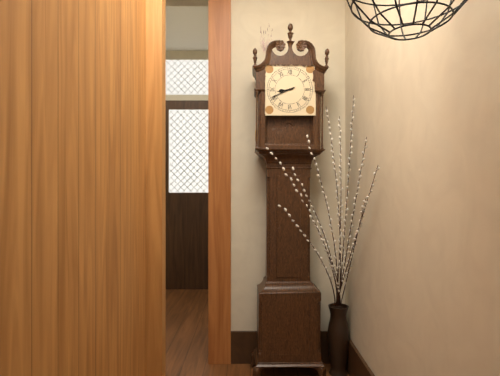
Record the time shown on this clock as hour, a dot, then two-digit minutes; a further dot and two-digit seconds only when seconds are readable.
8.41
